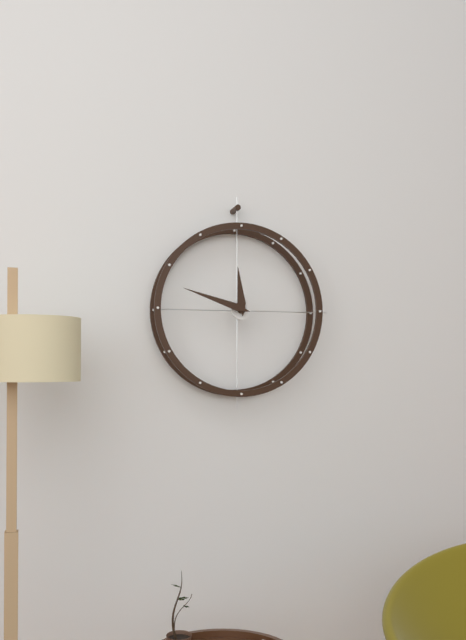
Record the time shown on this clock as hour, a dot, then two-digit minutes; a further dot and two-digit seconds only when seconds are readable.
11.48
